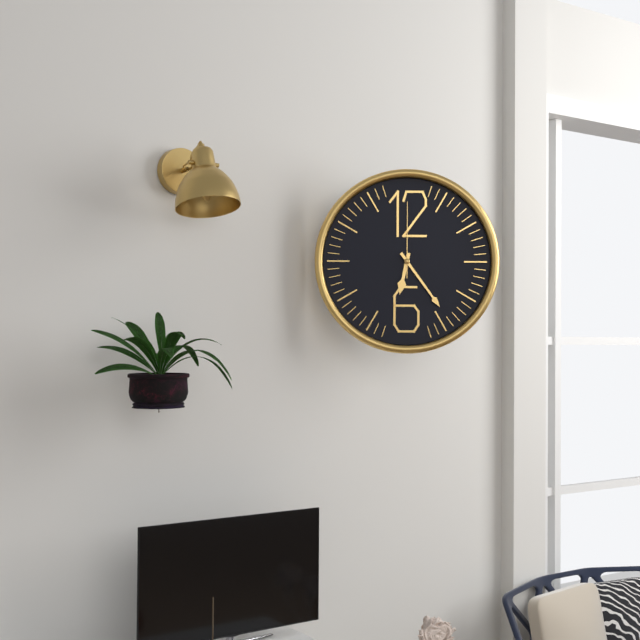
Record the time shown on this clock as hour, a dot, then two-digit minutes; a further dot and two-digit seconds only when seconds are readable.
6.24.00
